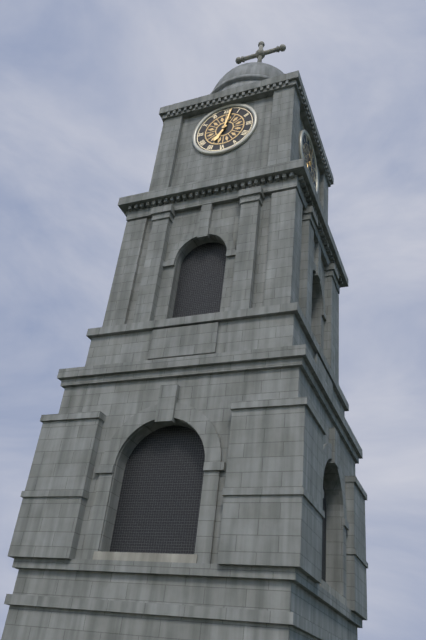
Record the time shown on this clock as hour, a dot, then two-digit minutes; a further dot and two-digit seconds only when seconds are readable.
7.02
